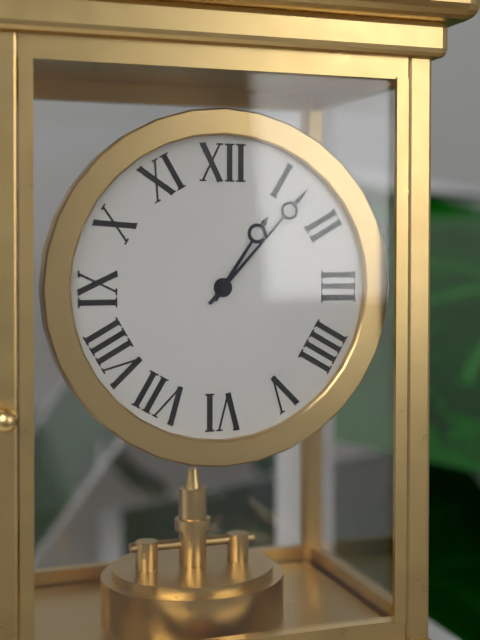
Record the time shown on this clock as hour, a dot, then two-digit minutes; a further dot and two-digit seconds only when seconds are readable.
1.07
